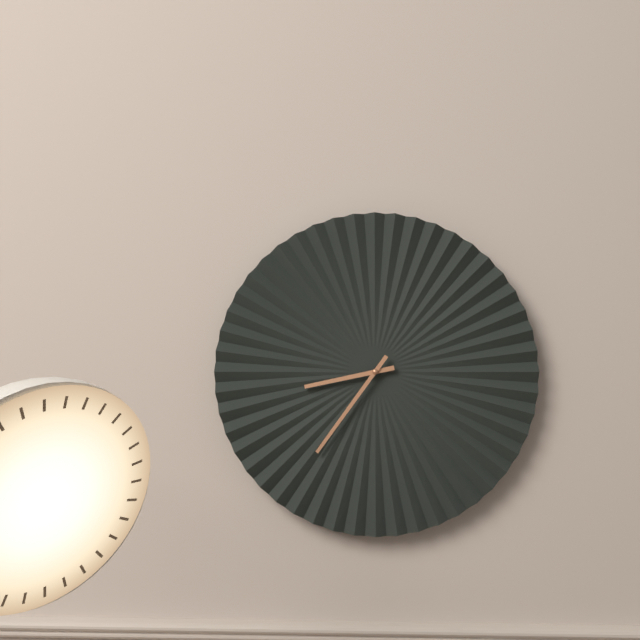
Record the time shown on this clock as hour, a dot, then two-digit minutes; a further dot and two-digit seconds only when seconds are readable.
8.36
